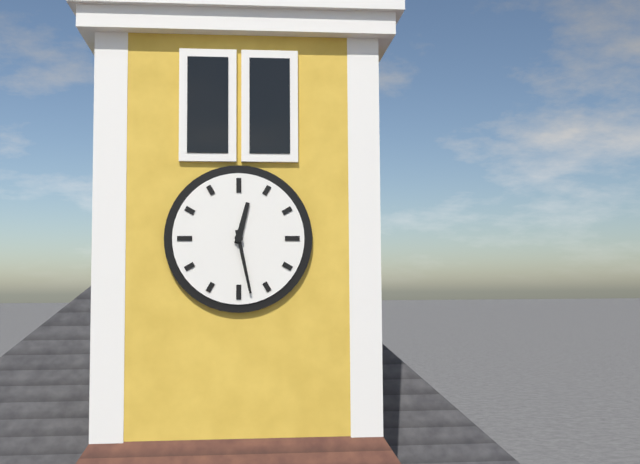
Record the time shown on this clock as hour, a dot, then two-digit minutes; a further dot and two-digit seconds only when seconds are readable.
12.28
